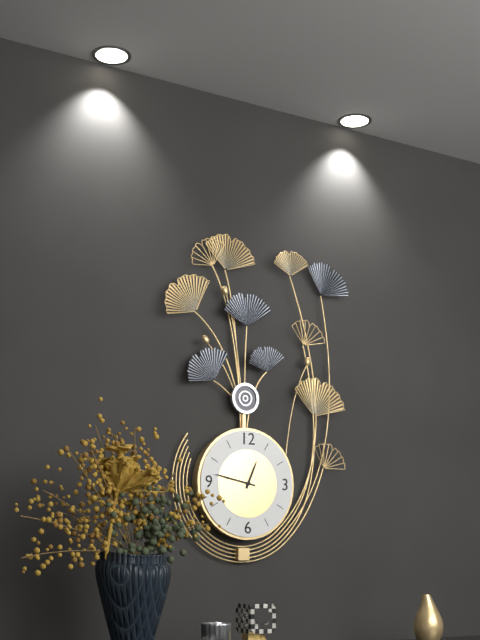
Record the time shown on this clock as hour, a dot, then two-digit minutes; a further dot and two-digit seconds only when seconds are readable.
12.47
